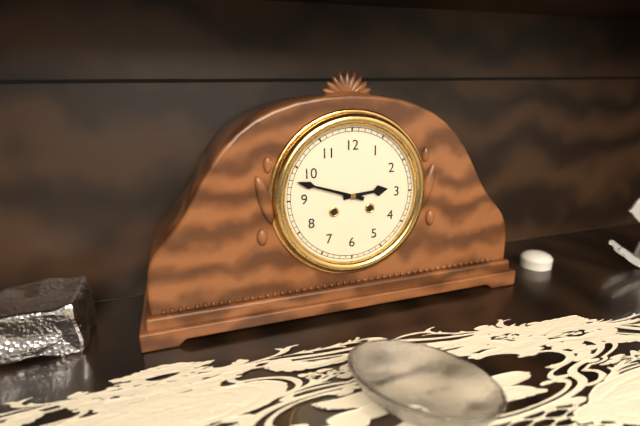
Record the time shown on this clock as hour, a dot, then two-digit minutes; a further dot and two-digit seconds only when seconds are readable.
2.48
